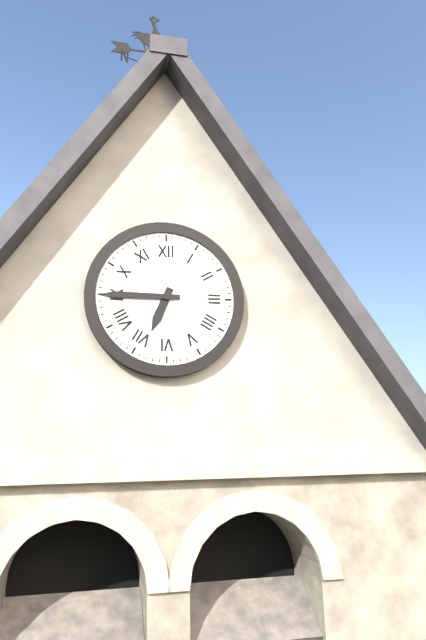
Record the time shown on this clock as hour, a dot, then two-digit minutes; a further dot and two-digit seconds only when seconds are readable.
6.45
